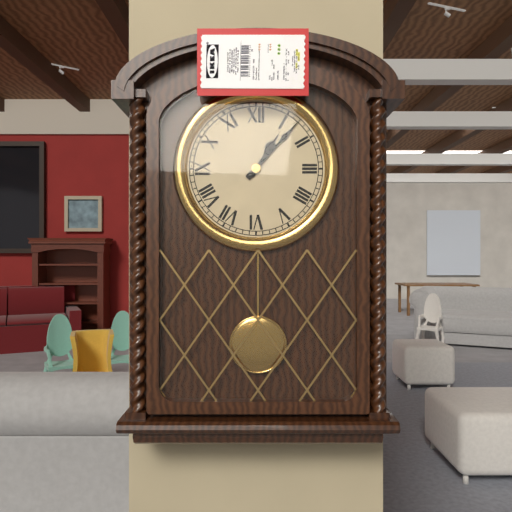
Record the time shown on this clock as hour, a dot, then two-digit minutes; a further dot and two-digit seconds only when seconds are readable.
1.07
